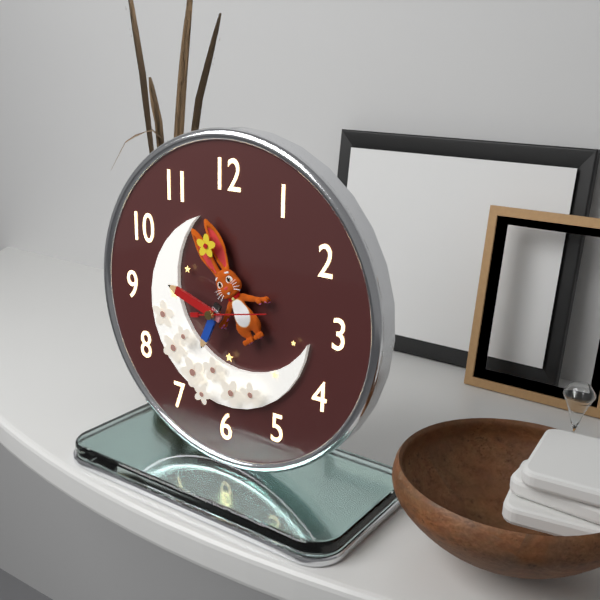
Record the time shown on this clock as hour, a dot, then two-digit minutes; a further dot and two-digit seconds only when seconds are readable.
6.48.13
